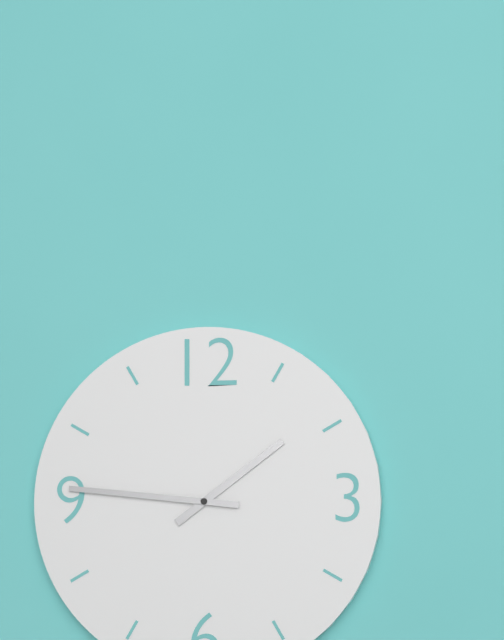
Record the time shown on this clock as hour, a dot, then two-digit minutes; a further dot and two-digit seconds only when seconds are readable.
1.46
